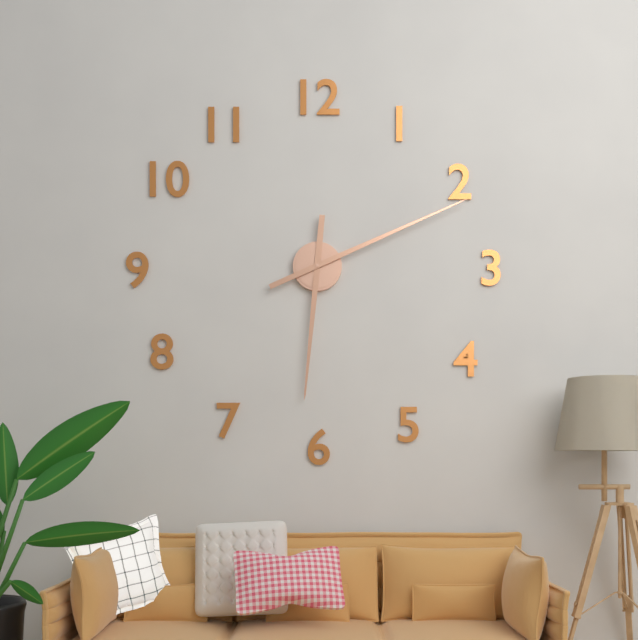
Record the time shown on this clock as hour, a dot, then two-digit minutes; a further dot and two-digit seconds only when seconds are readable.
6.11
